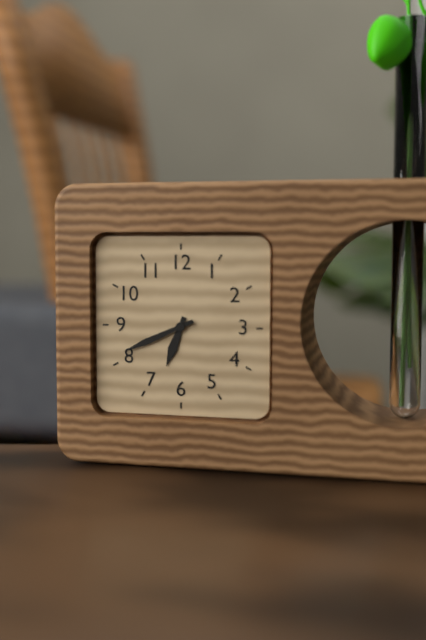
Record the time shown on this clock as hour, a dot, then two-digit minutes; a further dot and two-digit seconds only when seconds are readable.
6.41
